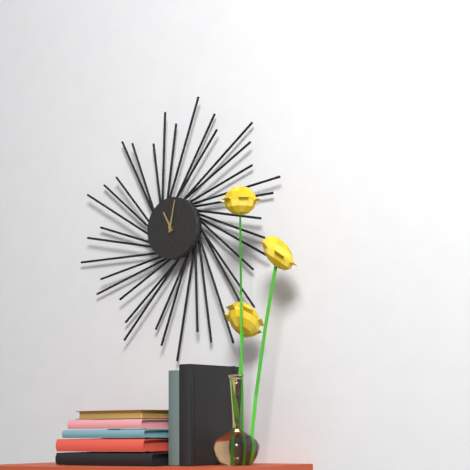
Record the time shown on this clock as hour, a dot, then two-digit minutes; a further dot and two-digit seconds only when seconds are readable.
11.02
